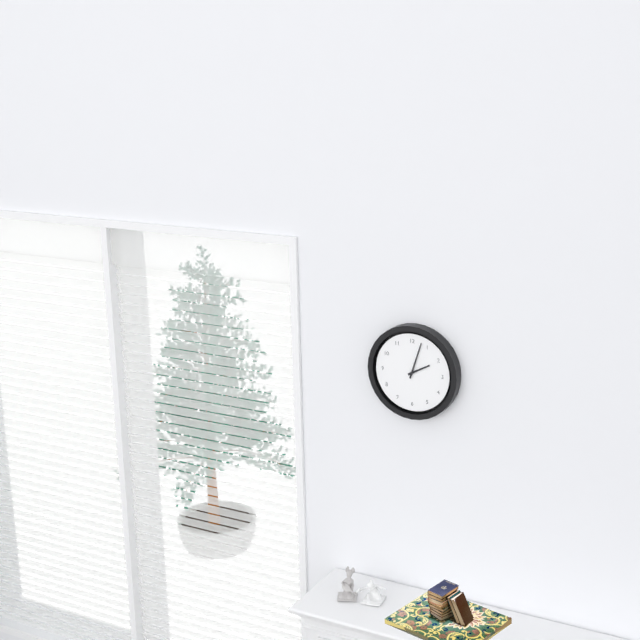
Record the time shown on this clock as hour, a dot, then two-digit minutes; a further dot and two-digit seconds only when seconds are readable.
2.03
